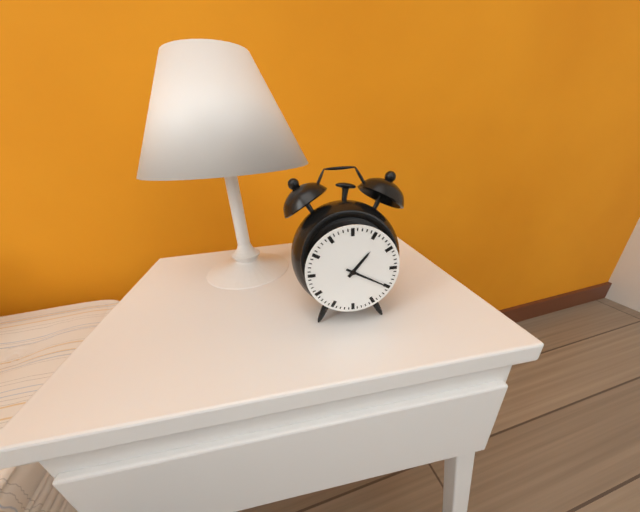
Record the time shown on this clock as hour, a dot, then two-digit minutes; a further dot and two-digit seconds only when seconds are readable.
1.20
